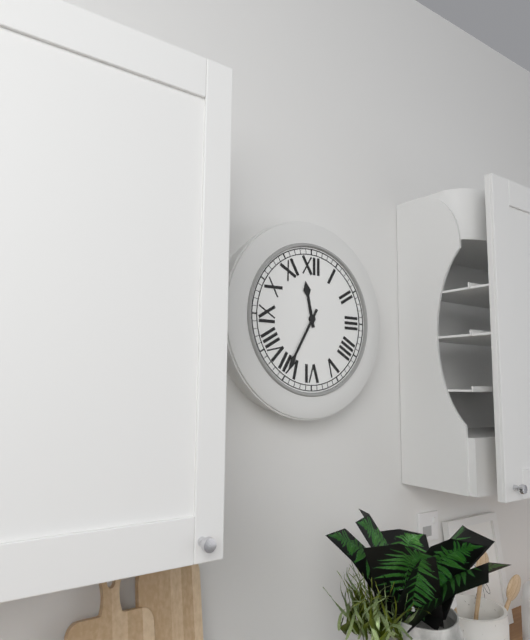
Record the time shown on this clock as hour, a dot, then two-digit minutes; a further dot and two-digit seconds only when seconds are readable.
11.35
